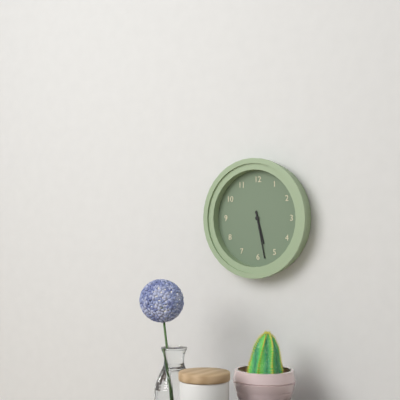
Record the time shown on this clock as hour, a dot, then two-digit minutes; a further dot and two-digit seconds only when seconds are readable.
5.28
